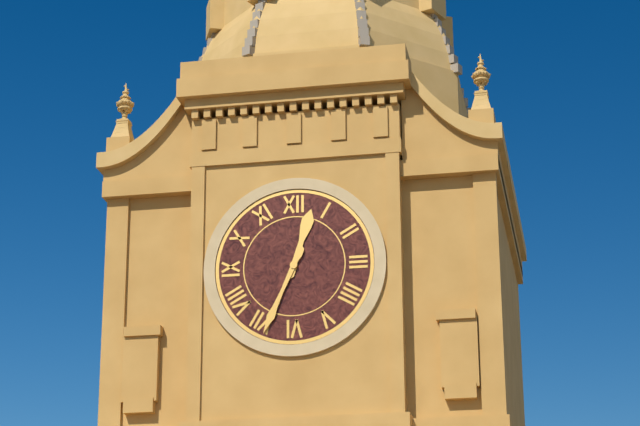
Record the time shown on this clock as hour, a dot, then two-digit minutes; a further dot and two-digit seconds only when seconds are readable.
12.34
